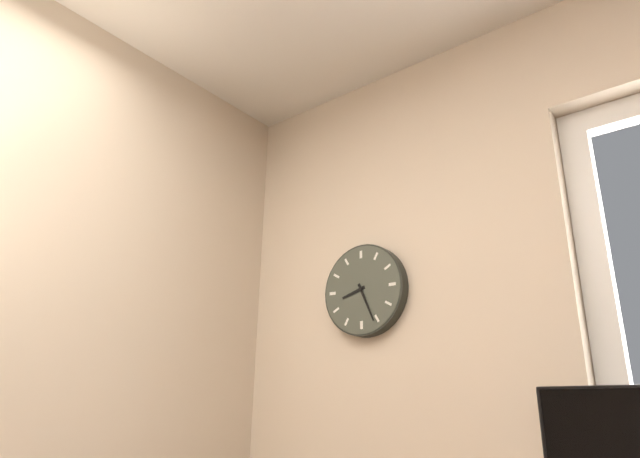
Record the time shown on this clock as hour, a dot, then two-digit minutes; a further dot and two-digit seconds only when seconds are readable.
8.26
